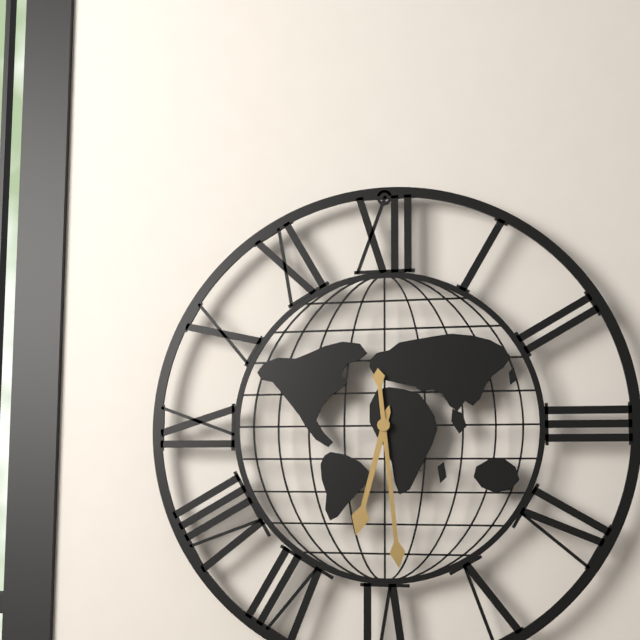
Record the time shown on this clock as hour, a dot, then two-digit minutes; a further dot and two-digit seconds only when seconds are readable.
6.29
